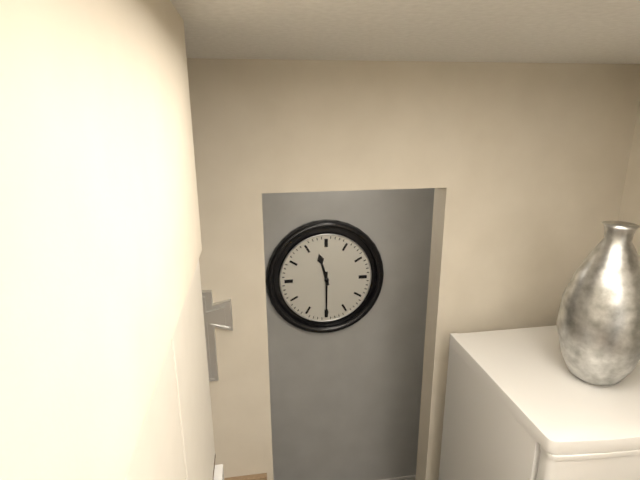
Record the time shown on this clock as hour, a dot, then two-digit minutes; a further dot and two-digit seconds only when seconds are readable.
11.30
